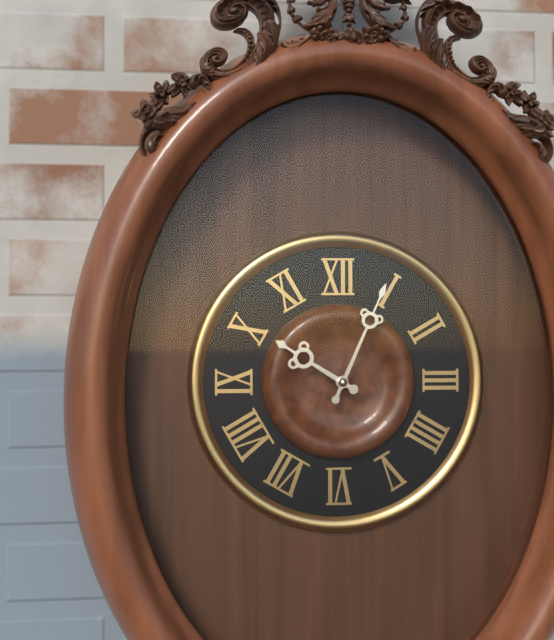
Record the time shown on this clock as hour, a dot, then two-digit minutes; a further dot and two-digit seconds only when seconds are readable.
10.04
